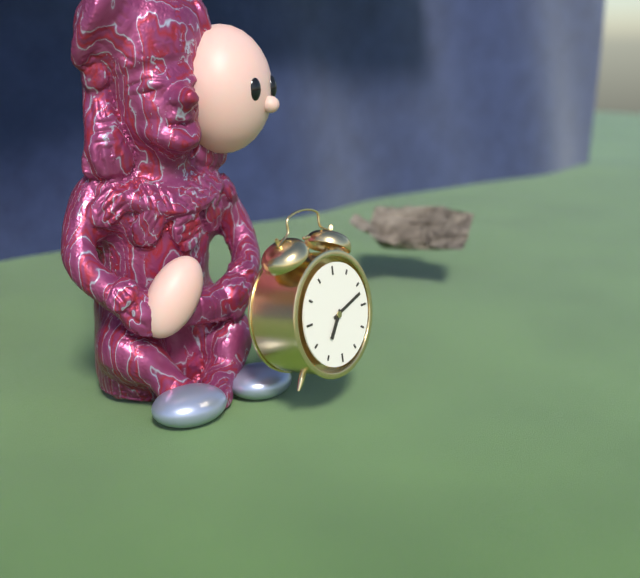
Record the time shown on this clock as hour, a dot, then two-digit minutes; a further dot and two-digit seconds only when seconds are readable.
7.12
